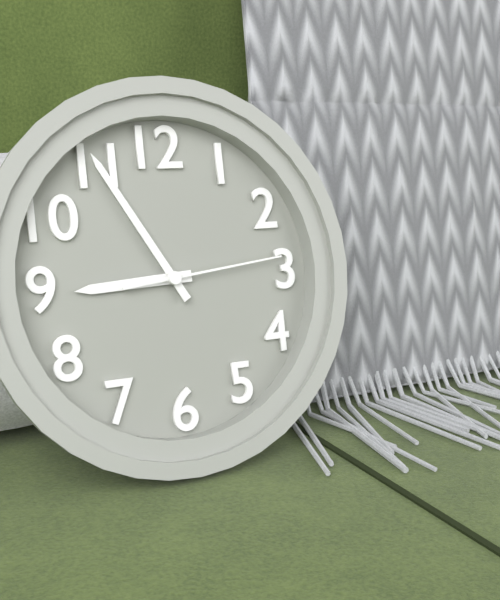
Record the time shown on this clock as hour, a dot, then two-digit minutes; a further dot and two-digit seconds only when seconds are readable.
8.55.14
